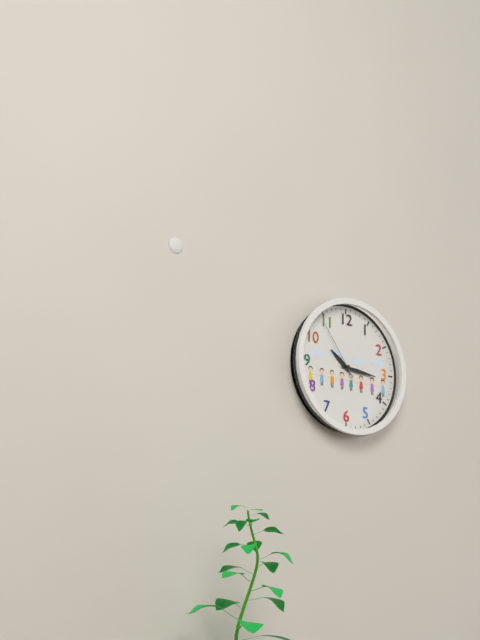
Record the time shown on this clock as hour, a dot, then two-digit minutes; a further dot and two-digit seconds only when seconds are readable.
10.16.54
